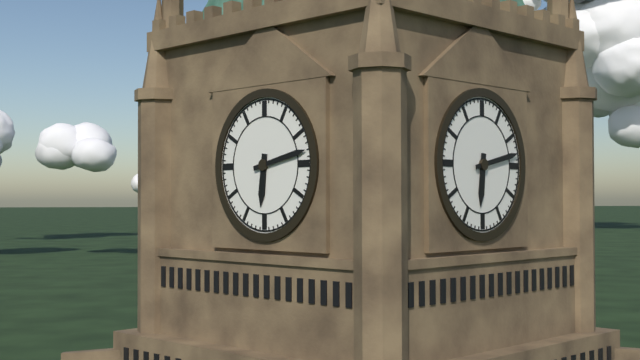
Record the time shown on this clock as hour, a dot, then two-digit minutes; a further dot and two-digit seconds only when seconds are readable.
6.13
